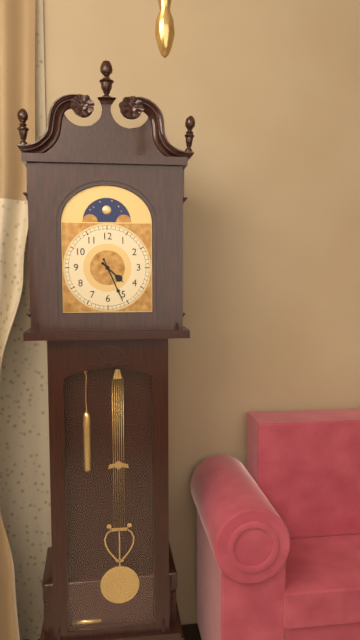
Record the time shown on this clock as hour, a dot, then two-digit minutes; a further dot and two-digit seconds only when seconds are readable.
4.26
